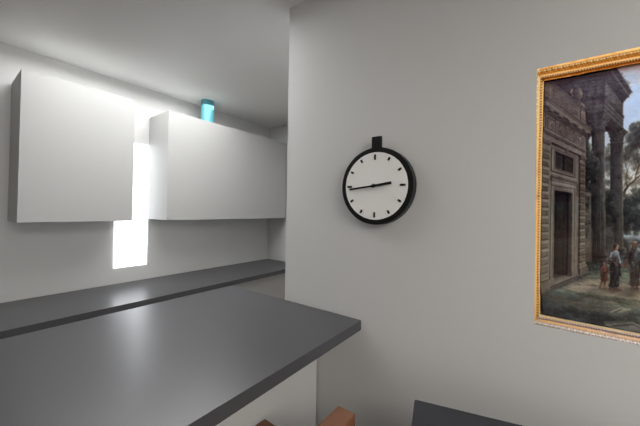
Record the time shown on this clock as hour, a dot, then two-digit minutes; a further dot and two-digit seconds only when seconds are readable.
2.44
